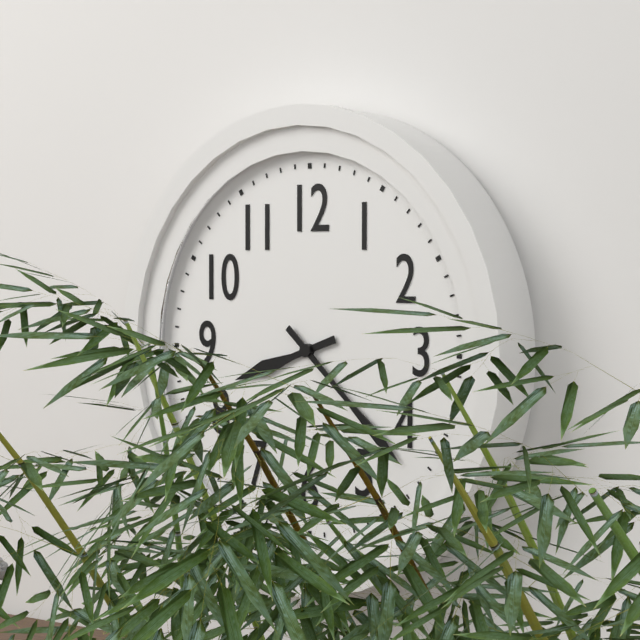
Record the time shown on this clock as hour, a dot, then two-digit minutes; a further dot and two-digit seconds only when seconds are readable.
8.22
